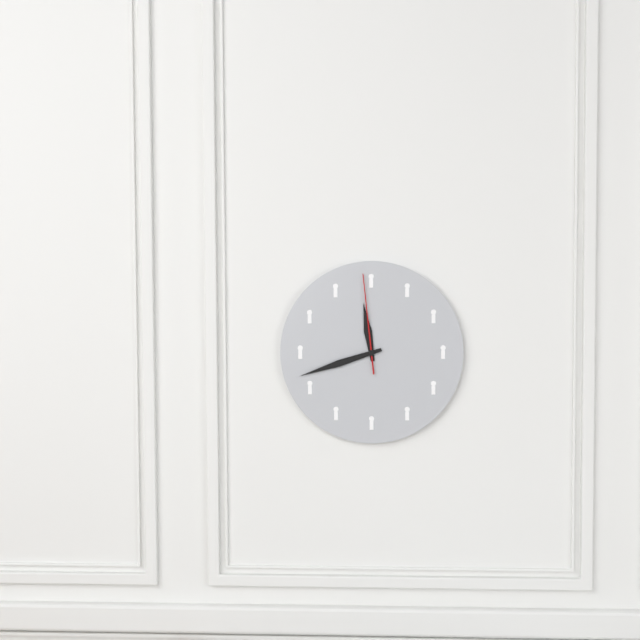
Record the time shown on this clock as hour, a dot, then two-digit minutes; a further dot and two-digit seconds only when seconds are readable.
11.42.59
